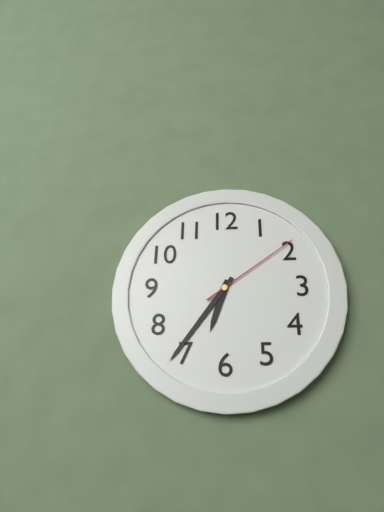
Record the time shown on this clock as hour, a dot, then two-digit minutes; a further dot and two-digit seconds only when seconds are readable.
6.36.09
